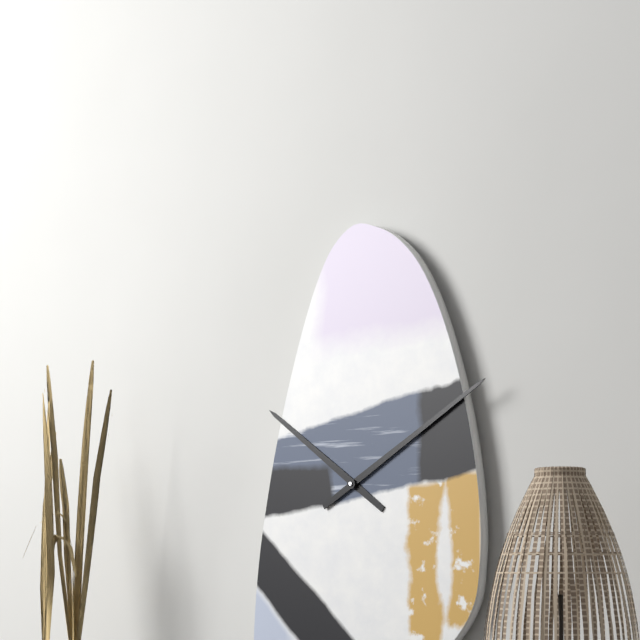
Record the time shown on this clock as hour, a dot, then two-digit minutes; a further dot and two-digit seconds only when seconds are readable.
10.10
